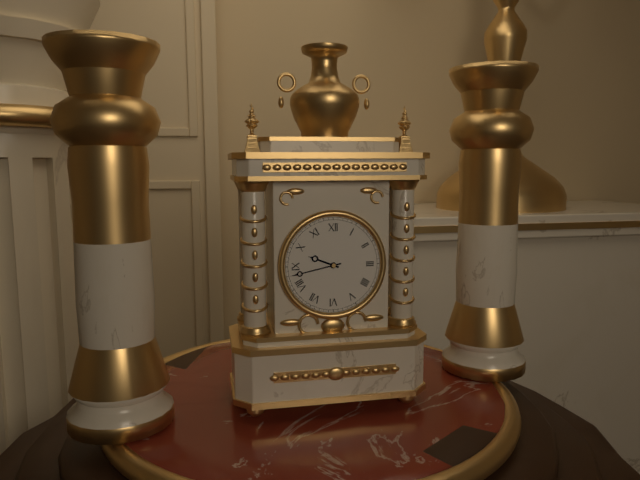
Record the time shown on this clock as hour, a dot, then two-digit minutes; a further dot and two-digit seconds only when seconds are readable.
9.43
